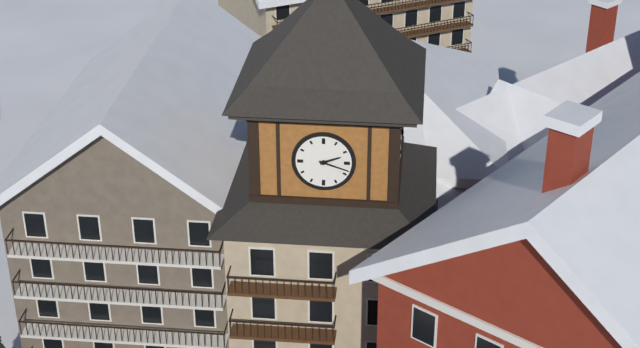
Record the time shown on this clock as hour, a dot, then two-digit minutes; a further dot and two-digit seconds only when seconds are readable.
2.18
